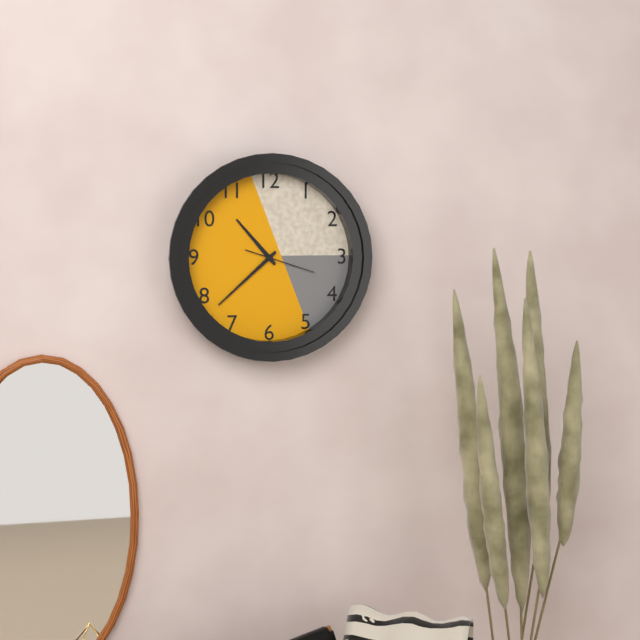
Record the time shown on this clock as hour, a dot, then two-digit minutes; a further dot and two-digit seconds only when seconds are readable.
10.38.18
